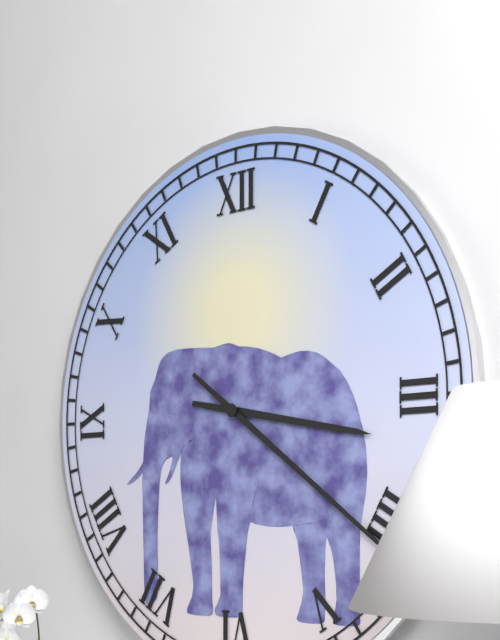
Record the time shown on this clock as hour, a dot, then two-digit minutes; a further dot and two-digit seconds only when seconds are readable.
3.21
